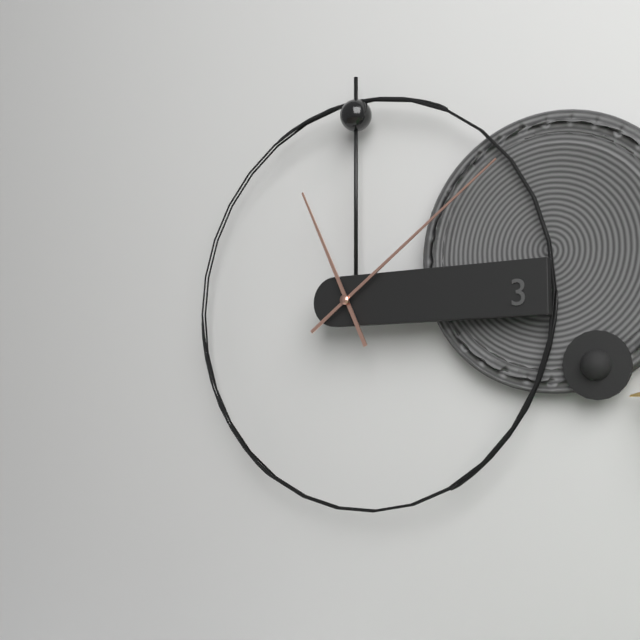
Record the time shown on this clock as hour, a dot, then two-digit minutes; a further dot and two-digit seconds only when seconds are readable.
11.09
